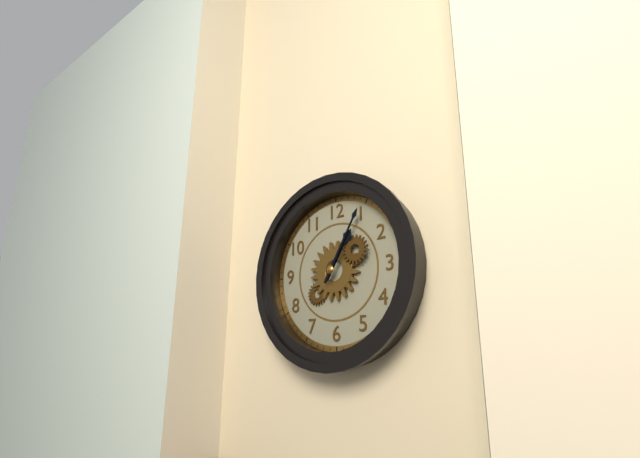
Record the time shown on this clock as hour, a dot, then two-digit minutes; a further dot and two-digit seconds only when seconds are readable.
1.05
